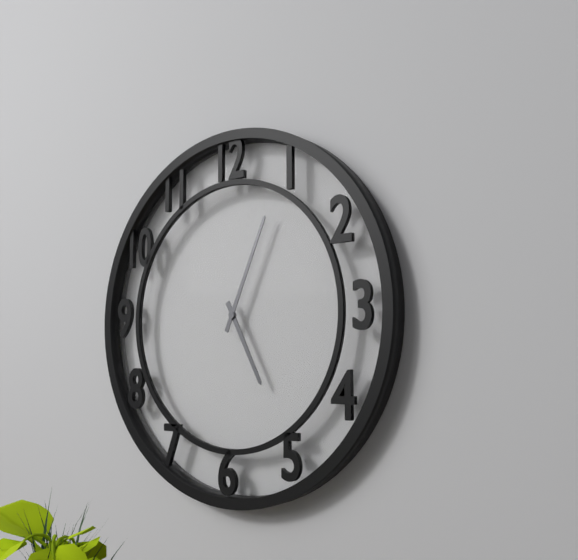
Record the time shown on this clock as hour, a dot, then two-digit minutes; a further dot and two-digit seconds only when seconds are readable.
5.04
